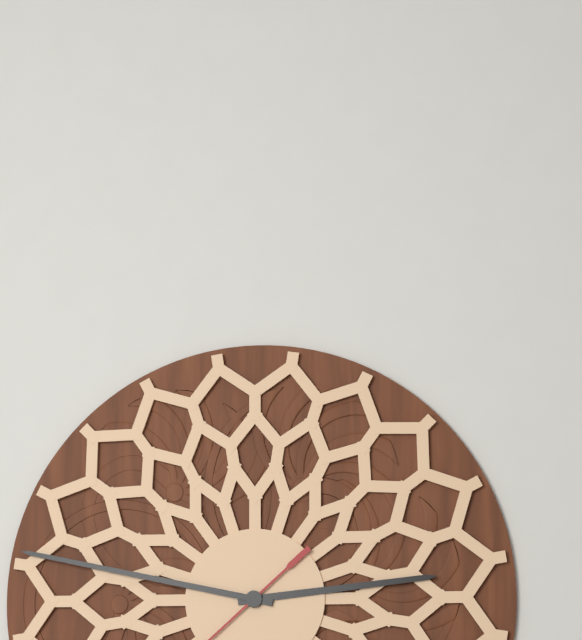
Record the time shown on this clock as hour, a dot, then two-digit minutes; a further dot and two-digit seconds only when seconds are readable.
2.47
